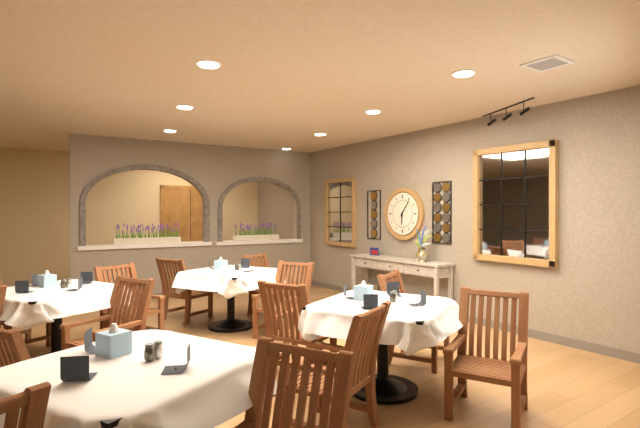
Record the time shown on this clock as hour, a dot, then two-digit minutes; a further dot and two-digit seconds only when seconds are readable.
6.06
